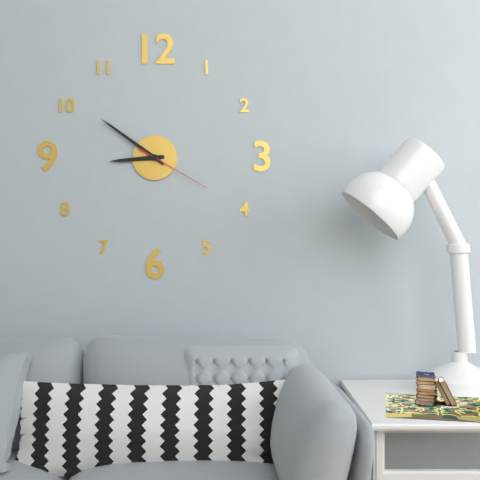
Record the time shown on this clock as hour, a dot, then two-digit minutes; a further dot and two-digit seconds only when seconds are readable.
8.51.20
